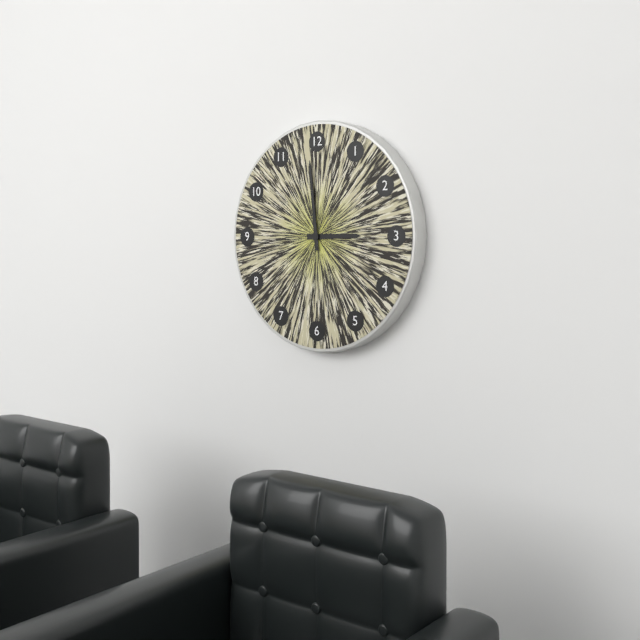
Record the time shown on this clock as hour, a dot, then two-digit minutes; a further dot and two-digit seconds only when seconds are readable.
2.59
